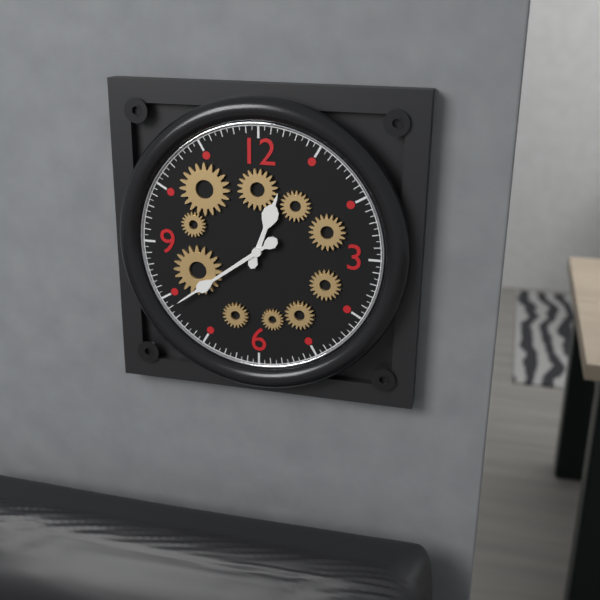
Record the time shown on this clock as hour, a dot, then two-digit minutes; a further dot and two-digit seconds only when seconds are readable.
12.39
